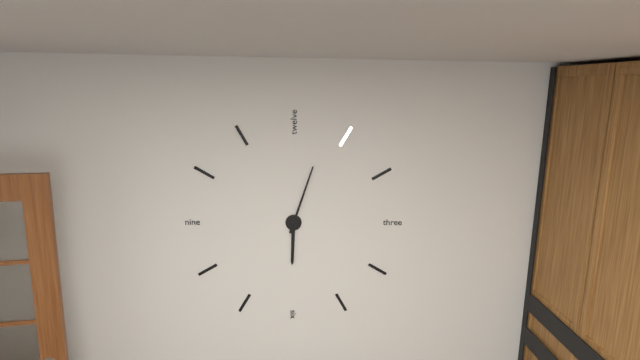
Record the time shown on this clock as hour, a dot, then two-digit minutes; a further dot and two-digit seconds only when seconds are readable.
6.03
